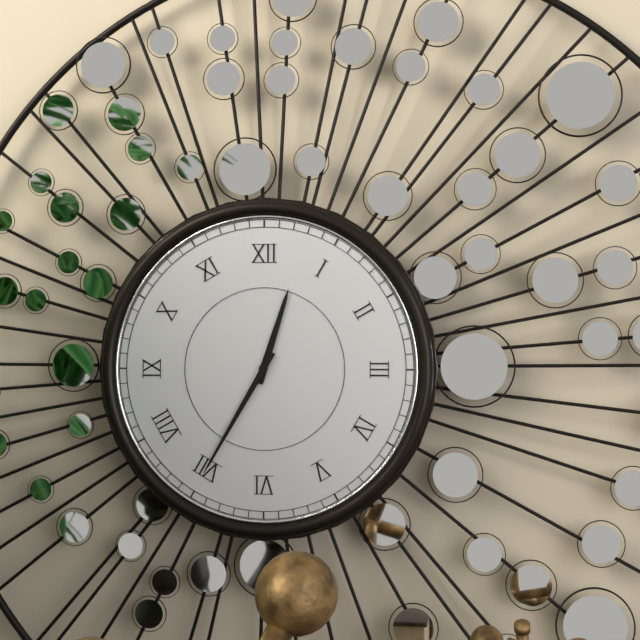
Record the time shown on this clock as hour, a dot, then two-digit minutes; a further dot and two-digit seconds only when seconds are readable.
12.35
